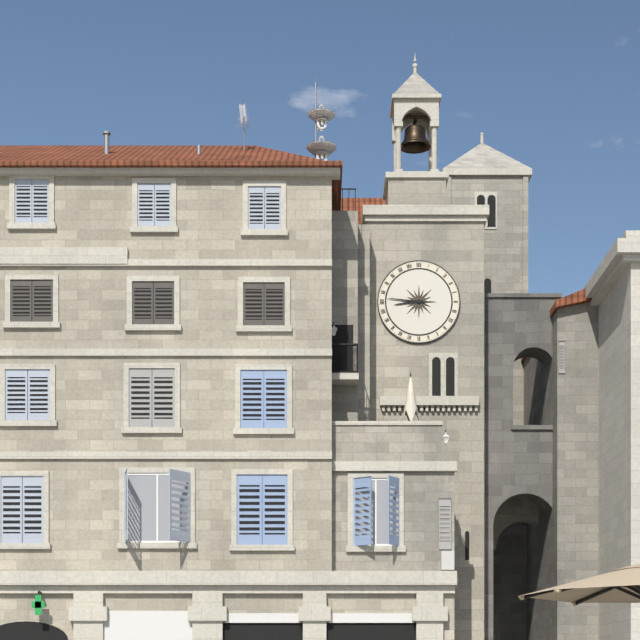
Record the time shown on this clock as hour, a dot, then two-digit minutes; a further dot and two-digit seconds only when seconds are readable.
8.46
